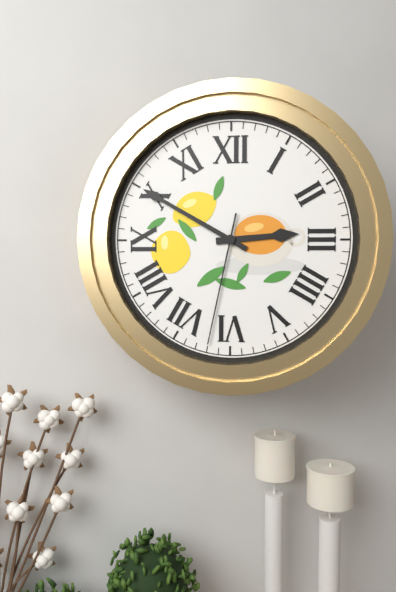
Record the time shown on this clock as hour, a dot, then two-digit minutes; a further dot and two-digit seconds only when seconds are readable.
2.50.32
